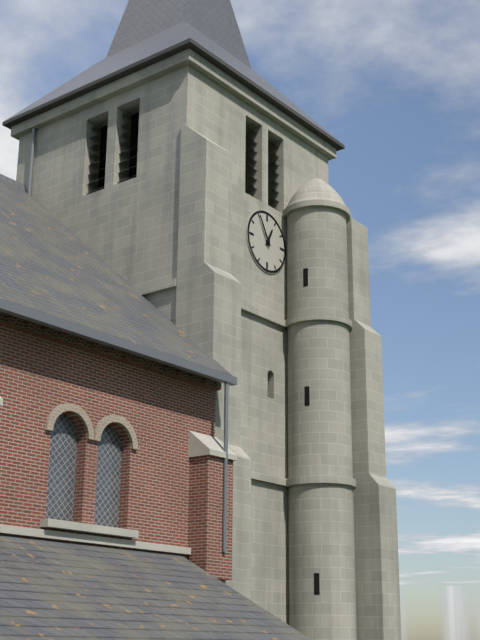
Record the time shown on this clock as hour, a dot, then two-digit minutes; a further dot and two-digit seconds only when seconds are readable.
12.55
